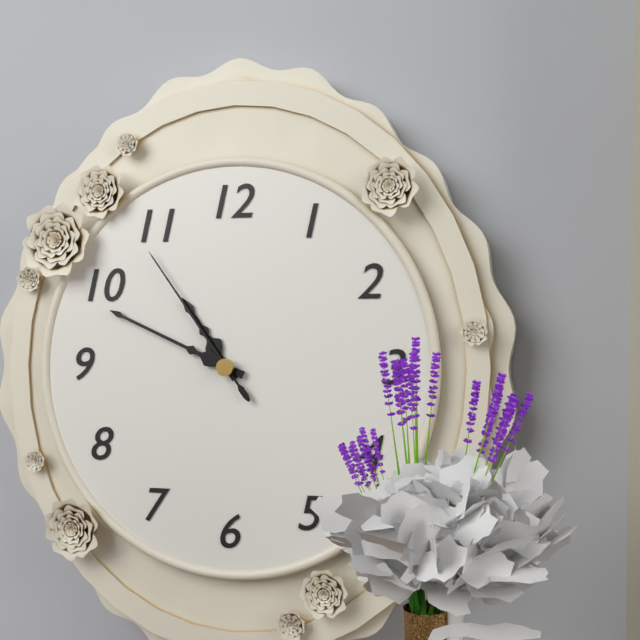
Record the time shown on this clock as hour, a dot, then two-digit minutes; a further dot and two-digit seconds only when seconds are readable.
10.49.54
